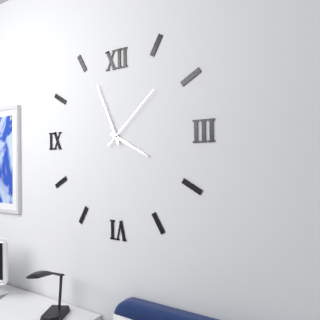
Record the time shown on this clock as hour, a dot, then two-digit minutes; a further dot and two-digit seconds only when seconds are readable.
3.56.08
